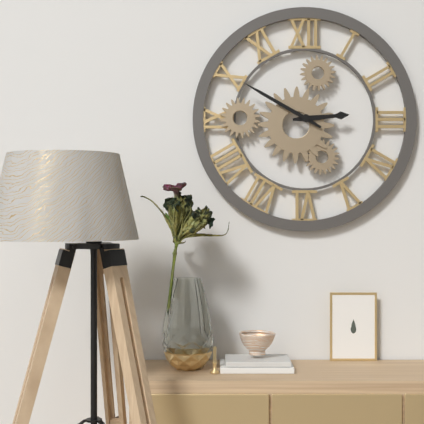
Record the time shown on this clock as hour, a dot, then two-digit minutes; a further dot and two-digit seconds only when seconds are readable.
2.50
